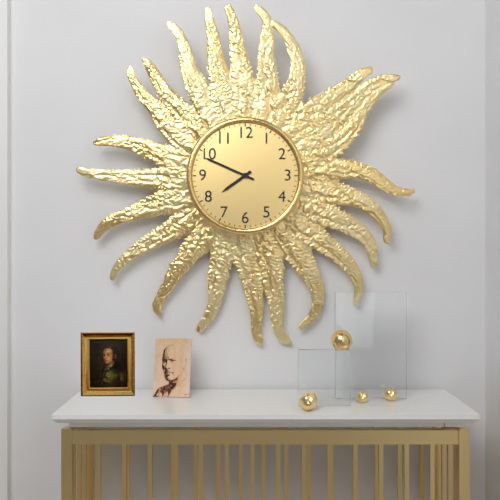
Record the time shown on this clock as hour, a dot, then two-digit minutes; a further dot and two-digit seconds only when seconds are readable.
7.49
